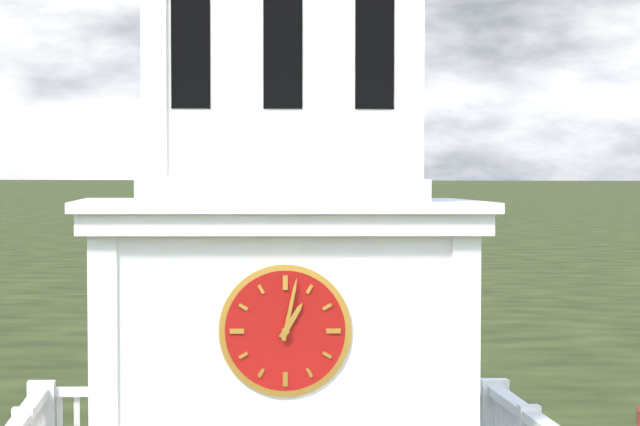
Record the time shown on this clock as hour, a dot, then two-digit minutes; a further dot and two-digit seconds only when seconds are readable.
1.02
